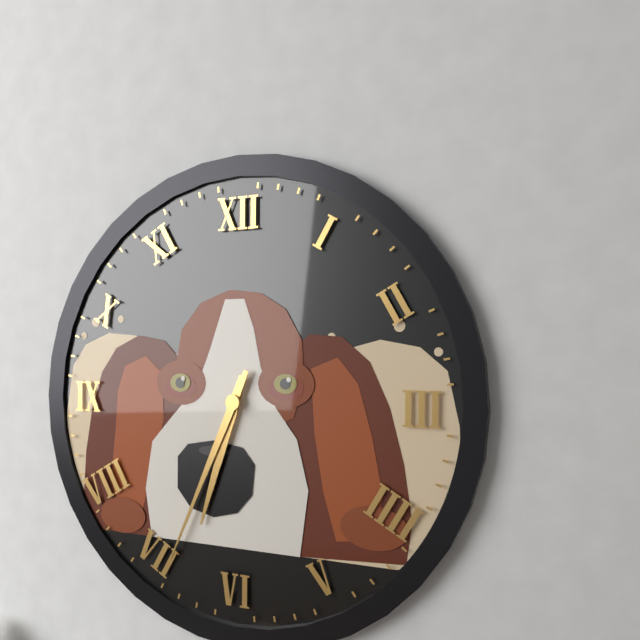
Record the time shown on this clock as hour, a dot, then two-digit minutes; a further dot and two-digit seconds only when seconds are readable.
6.34
